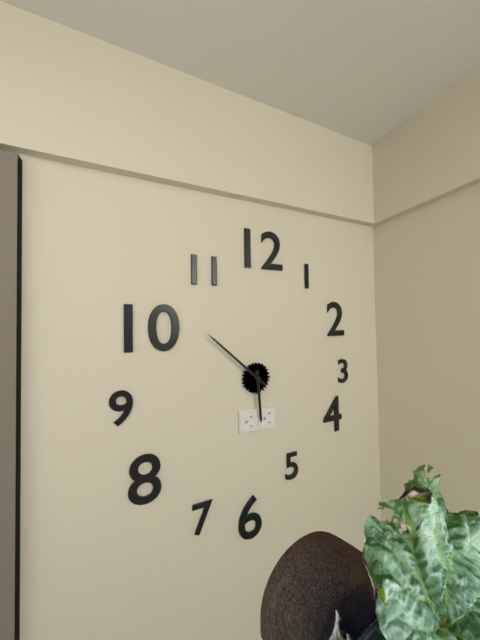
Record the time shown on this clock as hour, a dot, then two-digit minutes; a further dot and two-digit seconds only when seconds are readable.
5.52
